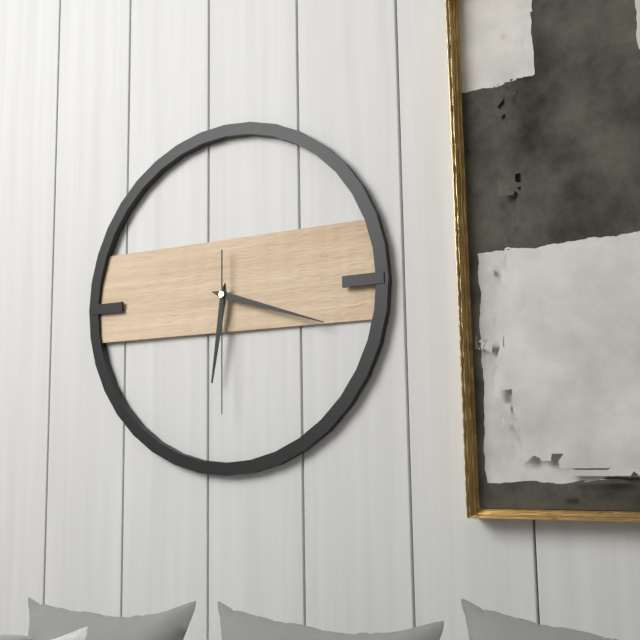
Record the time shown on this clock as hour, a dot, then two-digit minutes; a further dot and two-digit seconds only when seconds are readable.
6.18.30
